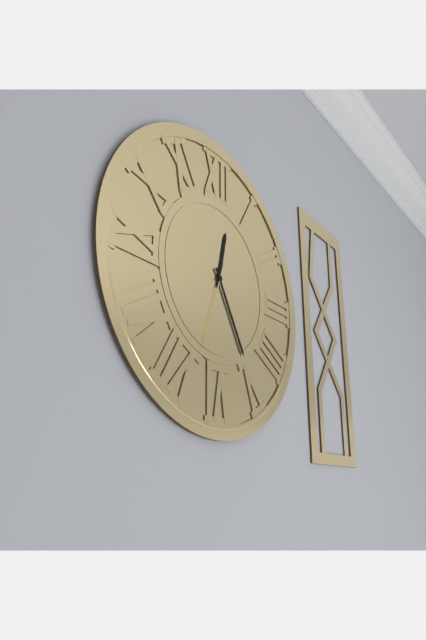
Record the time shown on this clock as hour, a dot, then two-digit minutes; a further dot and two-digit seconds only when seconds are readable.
12.25.33
